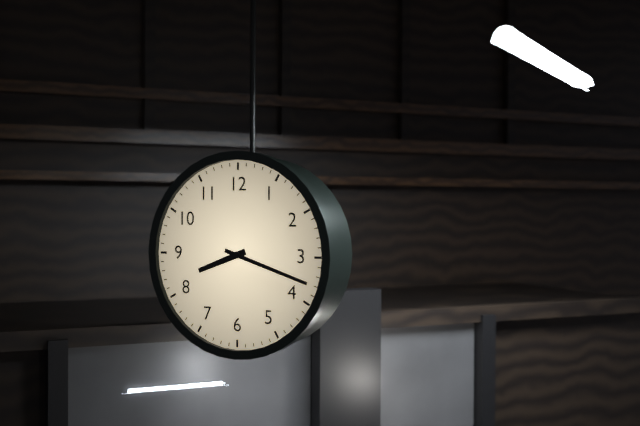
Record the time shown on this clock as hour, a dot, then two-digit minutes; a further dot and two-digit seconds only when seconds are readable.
8.18
